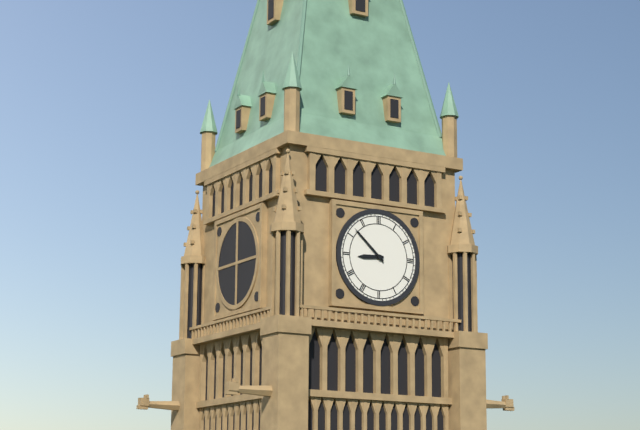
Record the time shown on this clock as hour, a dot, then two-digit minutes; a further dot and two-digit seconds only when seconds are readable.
8.52
